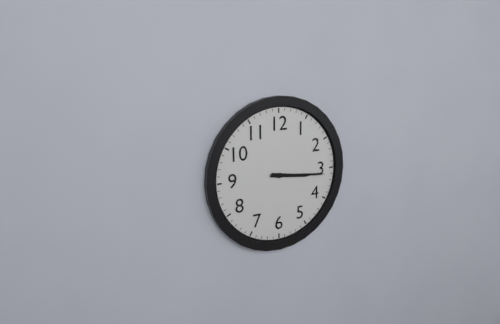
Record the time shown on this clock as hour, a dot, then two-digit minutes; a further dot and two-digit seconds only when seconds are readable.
3.16
